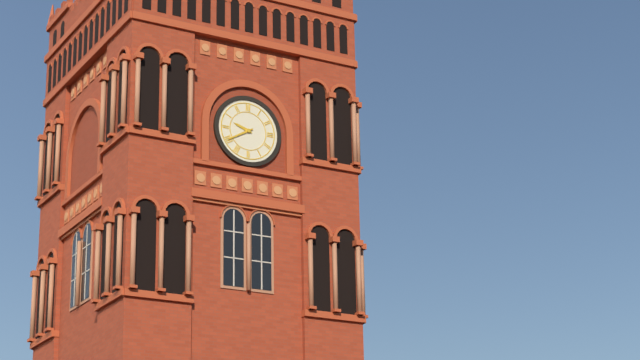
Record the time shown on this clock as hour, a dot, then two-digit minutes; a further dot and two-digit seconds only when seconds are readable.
9.40
